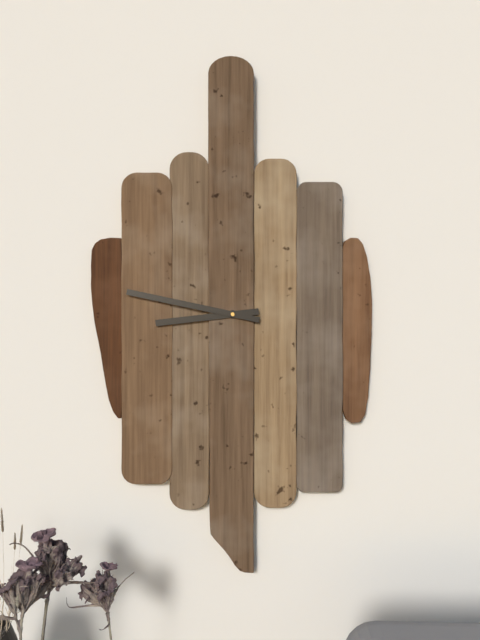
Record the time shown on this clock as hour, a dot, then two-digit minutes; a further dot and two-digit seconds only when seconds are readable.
8.47
